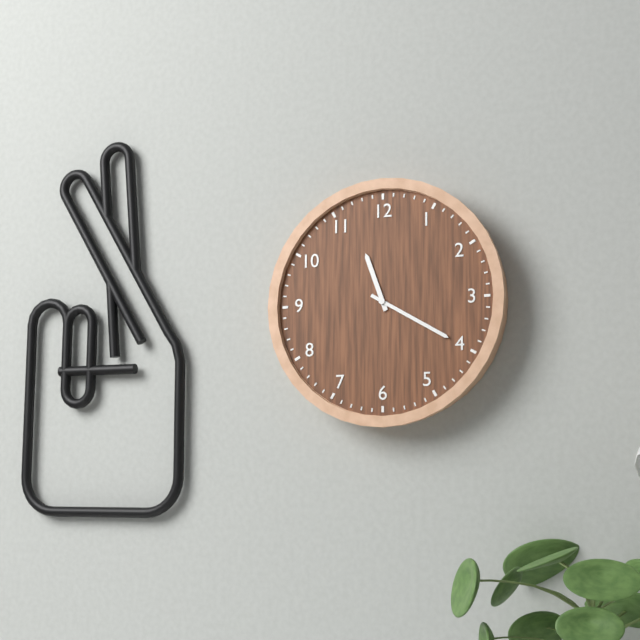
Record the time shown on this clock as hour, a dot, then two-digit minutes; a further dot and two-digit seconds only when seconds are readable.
11.20
